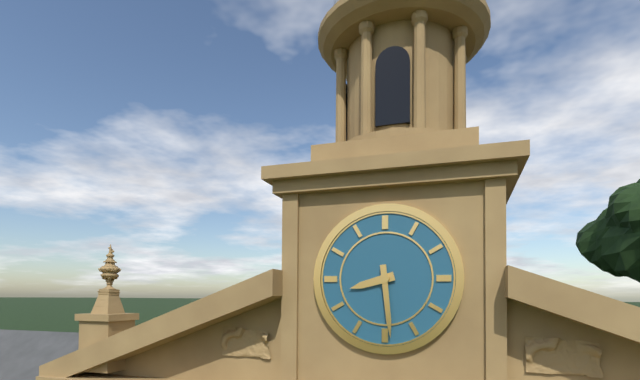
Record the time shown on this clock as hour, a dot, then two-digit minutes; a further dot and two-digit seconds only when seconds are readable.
8.29
